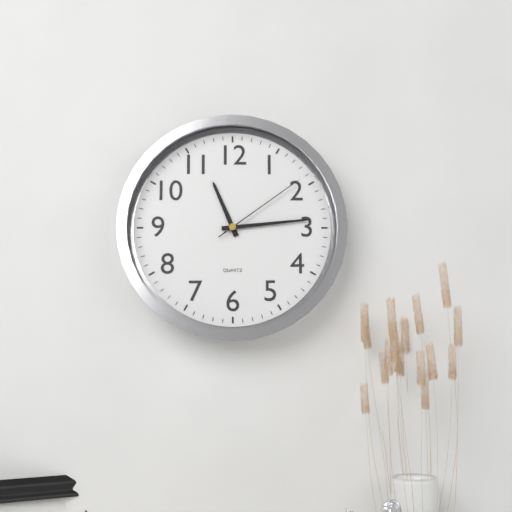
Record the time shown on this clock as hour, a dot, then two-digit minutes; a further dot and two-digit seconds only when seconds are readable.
11.14.09
